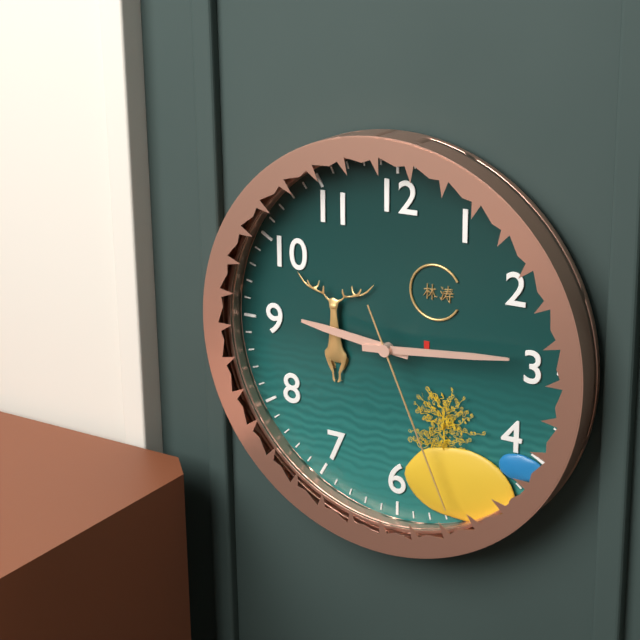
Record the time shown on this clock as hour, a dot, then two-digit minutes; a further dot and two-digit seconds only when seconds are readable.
9.14.26
